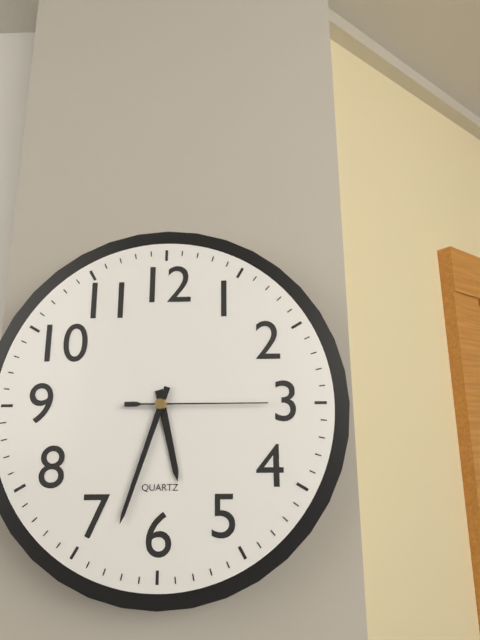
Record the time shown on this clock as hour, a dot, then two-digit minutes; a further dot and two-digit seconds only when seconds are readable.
5.33.15
